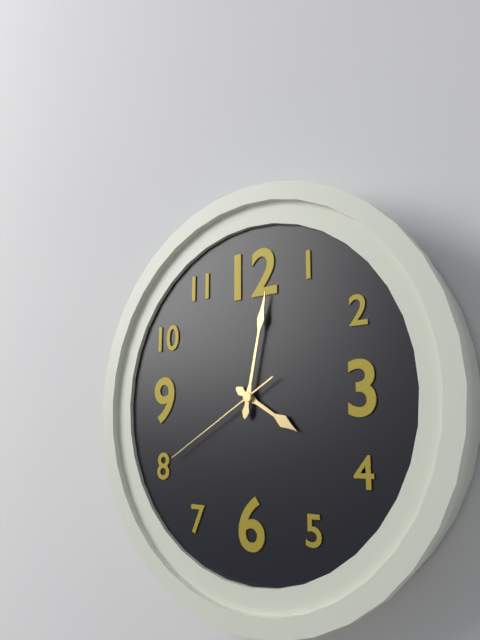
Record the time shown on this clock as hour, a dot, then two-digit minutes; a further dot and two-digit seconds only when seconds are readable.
4.02.40
